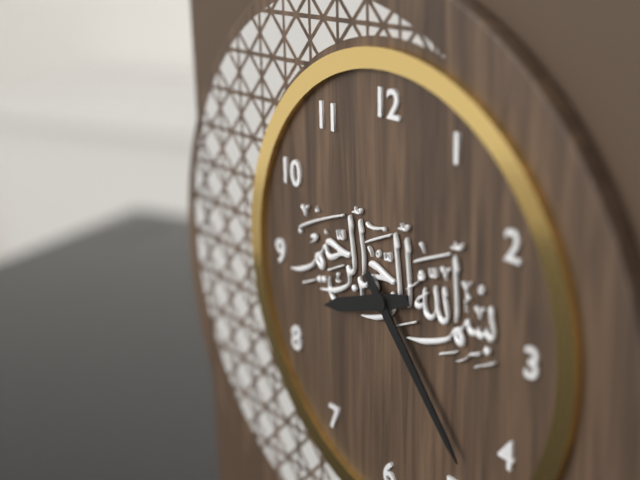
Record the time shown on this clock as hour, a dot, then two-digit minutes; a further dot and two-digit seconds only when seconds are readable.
8.23
